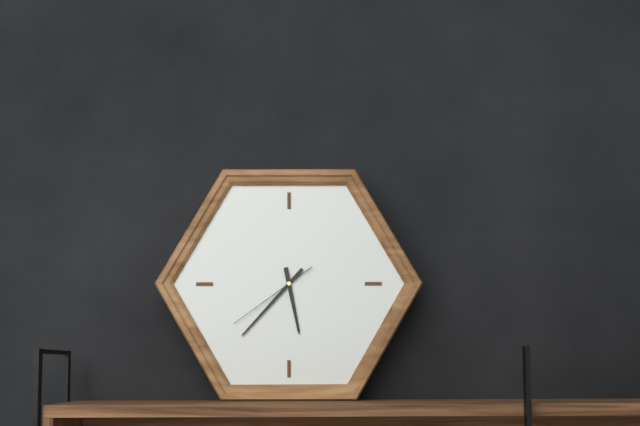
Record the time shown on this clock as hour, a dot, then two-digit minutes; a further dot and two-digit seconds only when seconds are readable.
5.37.39
